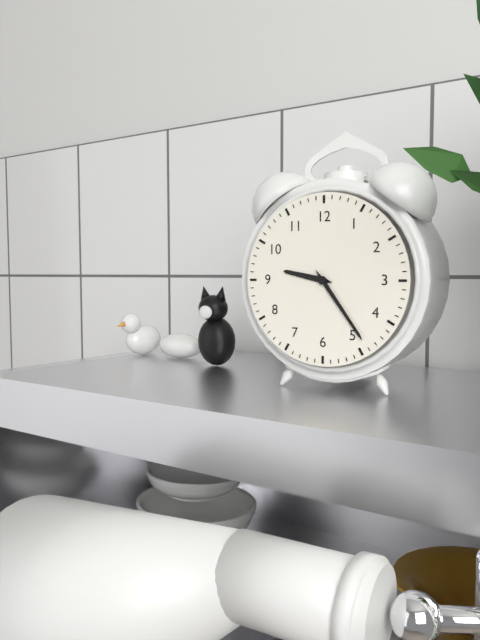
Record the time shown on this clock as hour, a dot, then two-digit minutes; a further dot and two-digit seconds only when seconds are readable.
9.24
